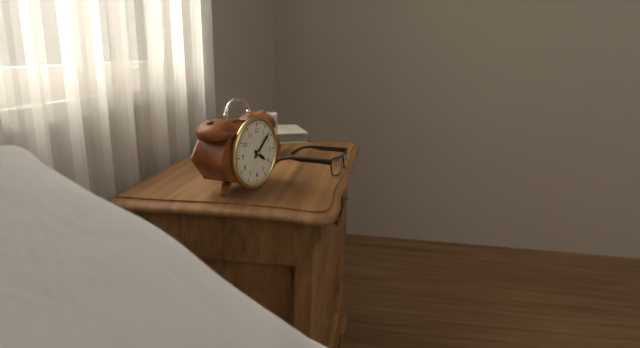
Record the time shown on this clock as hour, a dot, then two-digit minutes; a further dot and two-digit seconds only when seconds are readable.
4.08
